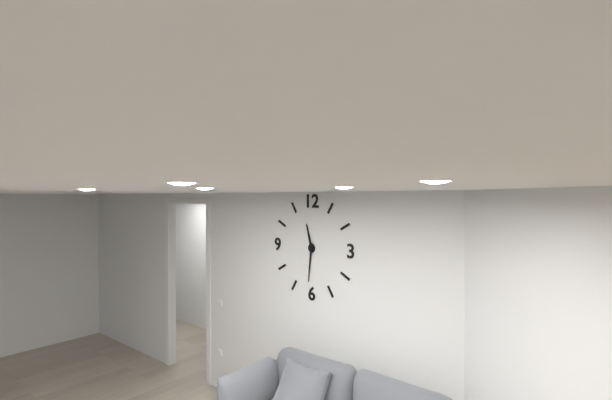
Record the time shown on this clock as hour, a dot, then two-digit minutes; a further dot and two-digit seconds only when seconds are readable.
11.31
